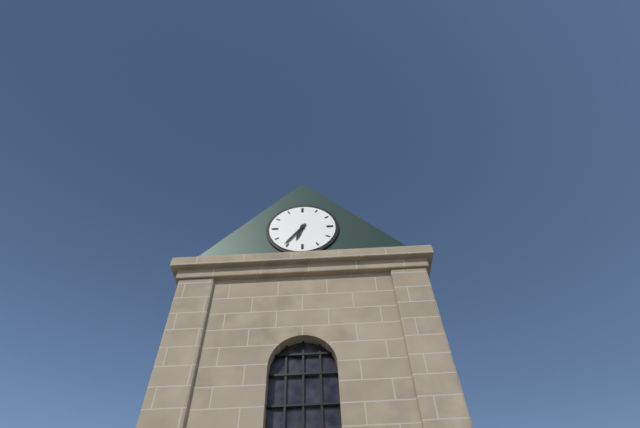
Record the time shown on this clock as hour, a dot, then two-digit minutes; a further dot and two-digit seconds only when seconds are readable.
6.36
